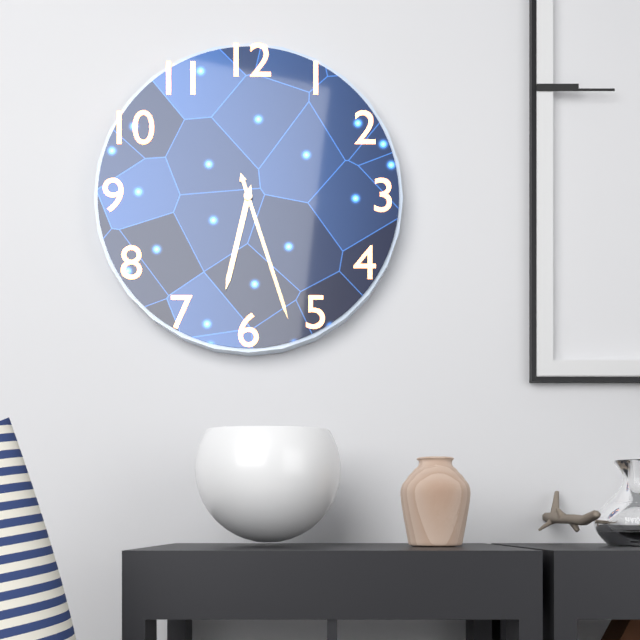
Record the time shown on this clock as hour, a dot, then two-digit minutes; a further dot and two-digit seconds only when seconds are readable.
6.27
